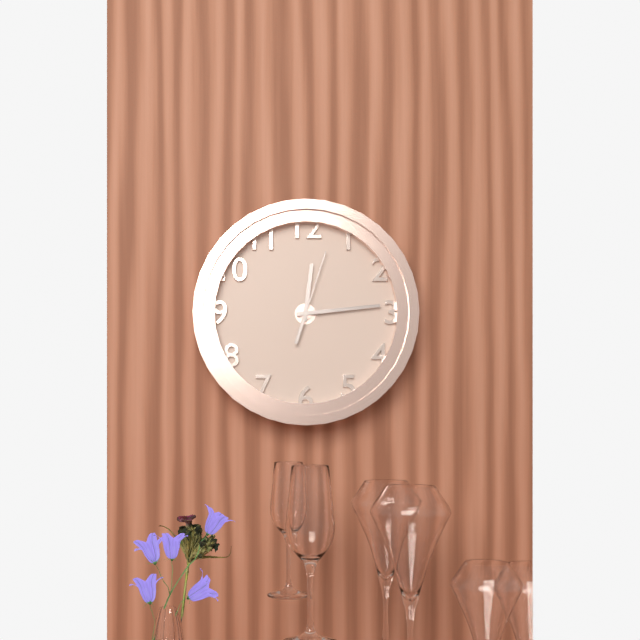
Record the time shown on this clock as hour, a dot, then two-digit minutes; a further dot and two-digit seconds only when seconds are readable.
12.14.03
